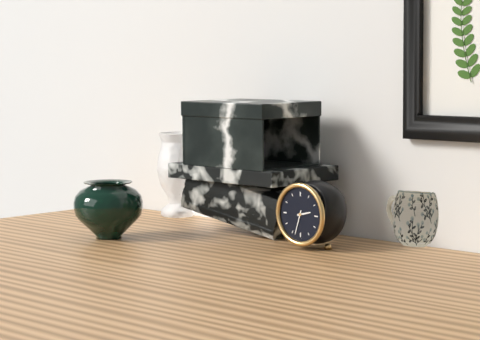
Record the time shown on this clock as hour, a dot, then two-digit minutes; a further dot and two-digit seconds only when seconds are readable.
2.33
